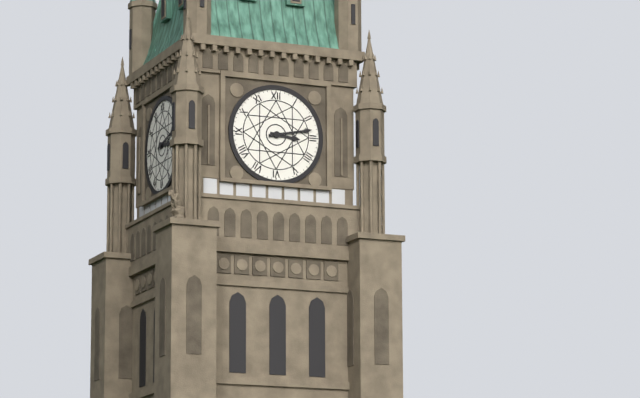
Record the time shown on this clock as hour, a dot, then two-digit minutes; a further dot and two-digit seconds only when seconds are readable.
3.13
